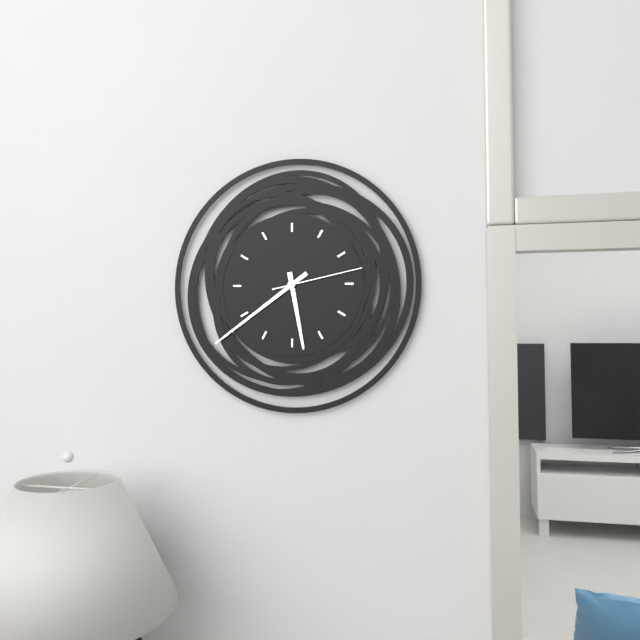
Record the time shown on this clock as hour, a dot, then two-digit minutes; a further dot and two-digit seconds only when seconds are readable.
5.39.13
